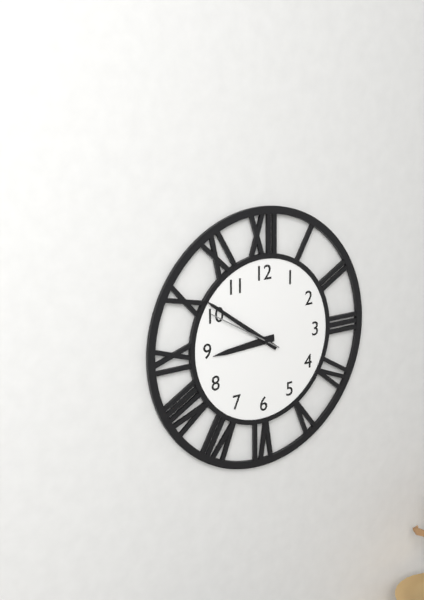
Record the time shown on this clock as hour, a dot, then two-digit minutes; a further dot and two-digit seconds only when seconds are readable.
8.51.50
